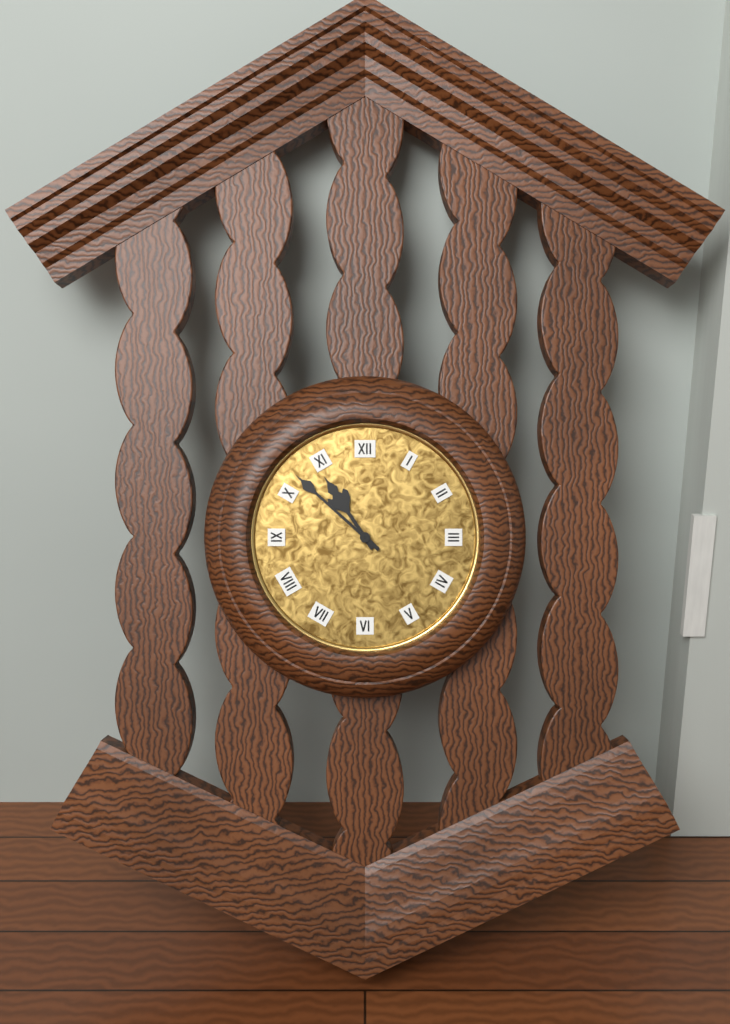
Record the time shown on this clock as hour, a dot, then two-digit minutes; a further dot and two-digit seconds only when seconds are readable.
10.52
